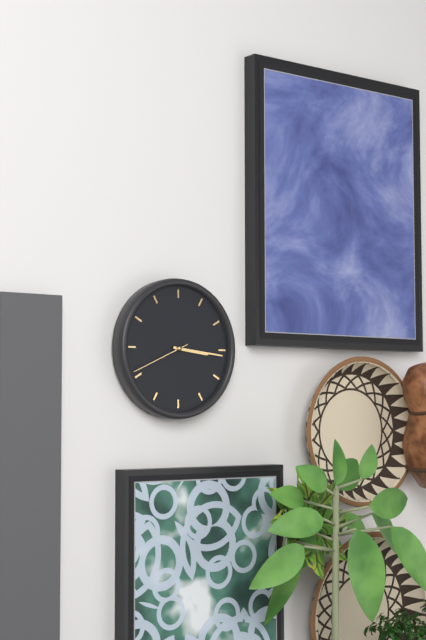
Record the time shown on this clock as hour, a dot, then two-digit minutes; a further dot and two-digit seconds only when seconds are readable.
3.16.41
